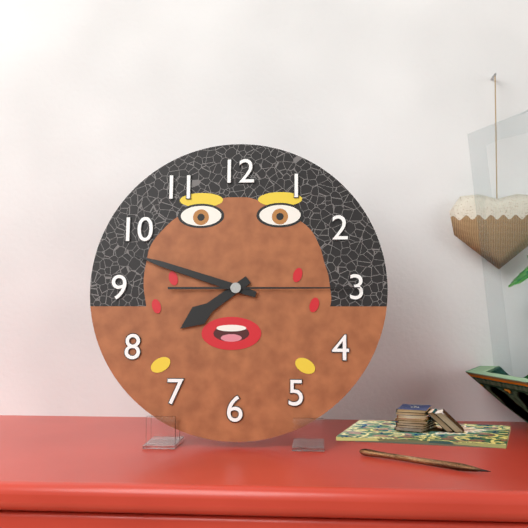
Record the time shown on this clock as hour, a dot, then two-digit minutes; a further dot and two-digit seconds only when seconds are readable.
7.48.15
